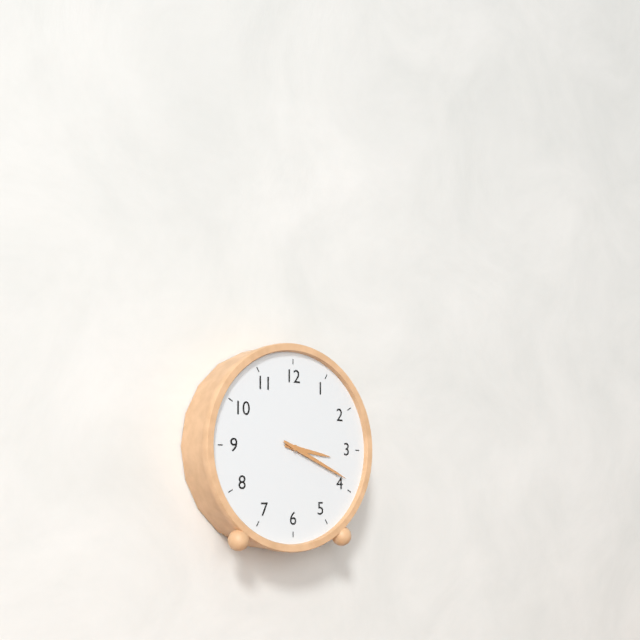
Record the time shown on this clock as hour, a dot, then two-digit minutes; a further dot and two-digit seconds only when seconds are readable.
3.19
